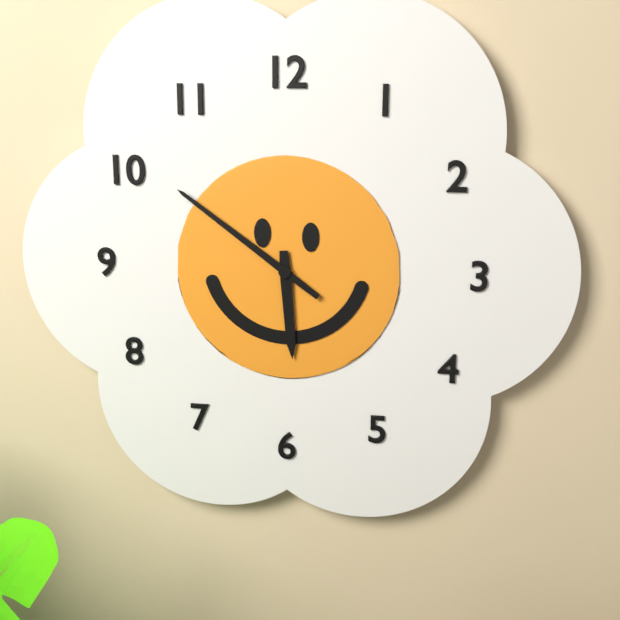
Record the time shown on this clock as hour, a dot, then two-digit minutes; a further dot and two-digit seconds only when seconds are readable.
5.51
